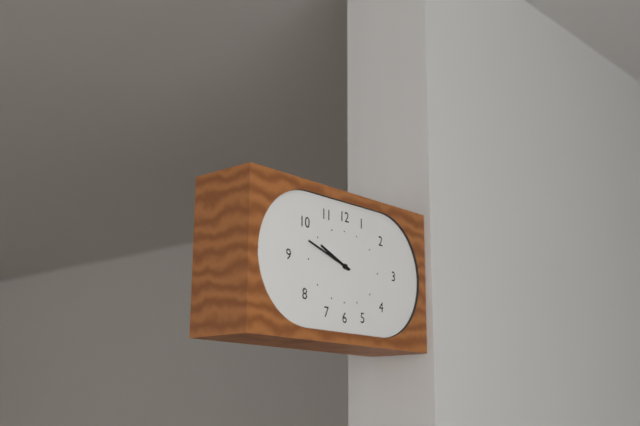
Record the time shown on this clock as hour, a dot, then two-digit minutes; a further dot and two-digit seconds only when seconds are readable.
9.48
